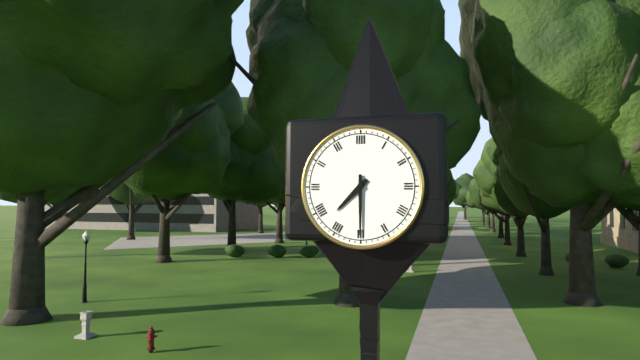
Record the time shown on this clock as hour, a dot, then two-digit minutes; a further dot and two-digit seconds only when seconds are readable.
7.30
